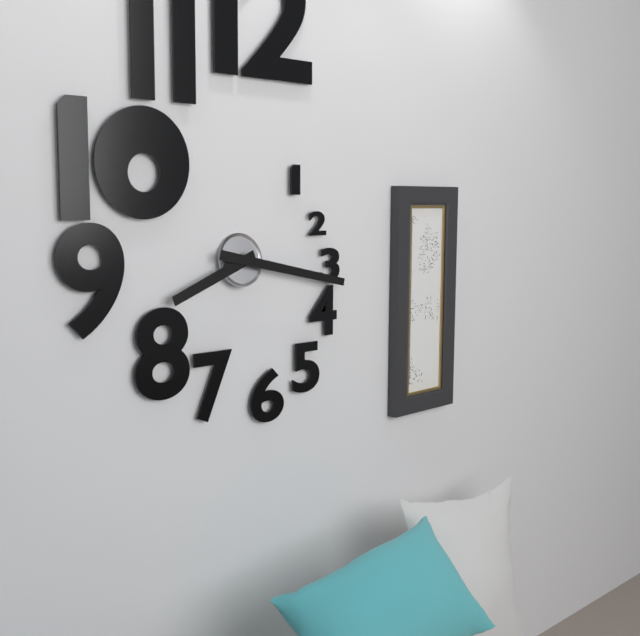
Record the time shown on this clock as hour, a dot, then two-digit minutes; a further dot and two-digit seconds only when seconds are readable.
8.17
